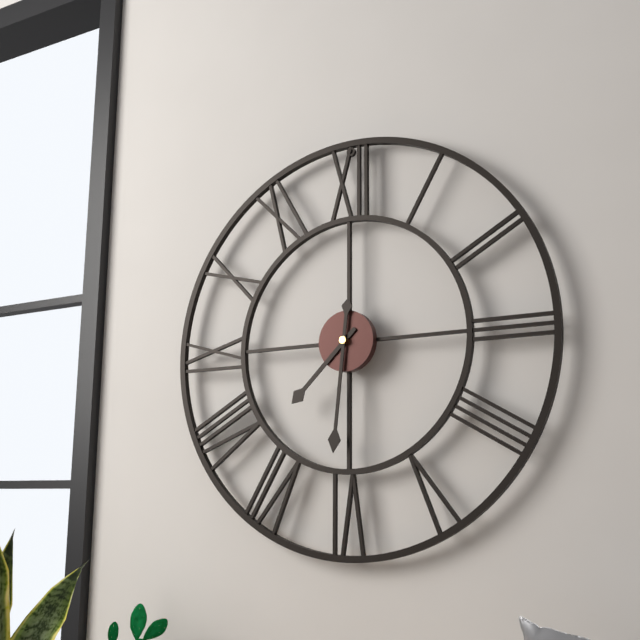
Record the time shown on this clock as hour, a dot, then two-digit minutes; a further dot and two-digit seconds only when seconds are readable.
7.31
